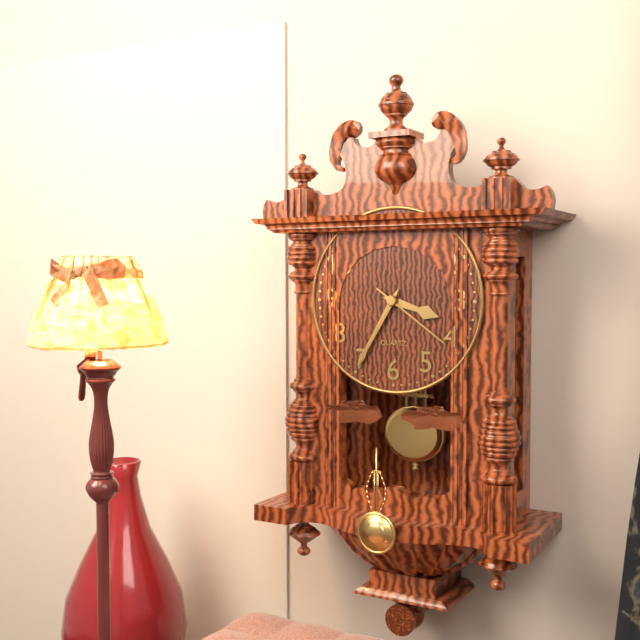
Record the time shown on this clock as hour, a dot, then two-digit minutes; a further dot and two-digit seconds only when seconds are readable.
3.35.21
